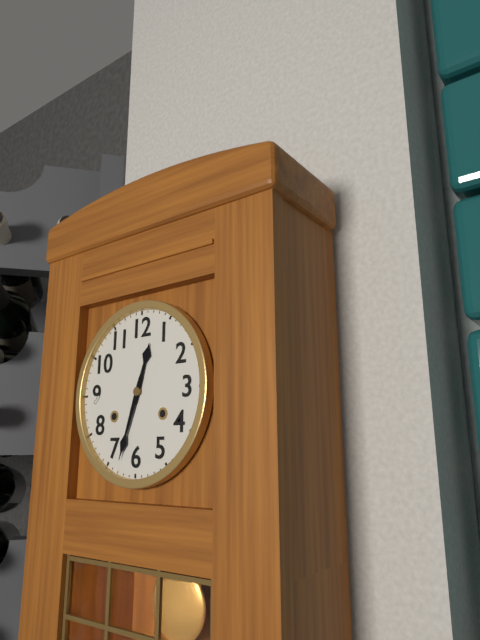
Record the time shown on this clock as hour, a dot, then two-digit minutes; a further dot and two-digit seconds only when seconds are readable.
12.33
